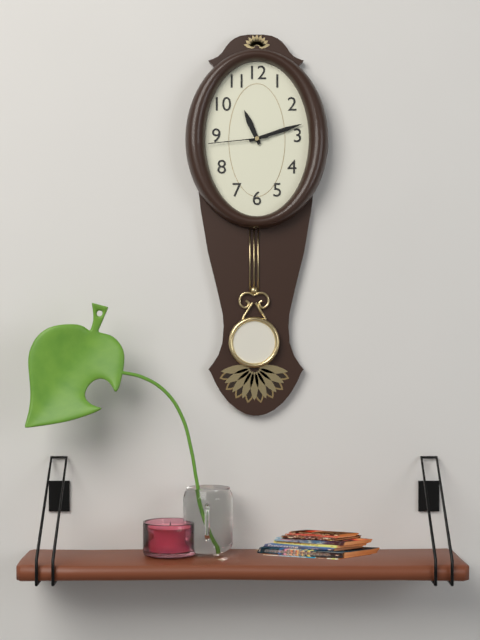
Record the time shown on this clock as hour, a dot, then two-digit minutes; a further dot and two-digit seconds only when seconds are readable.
11.12.44
